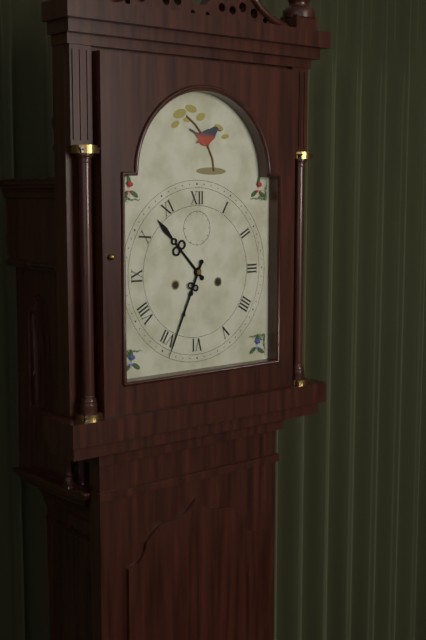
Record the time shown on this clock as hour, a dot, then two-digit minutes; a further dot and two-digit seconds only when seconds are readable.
10.34
